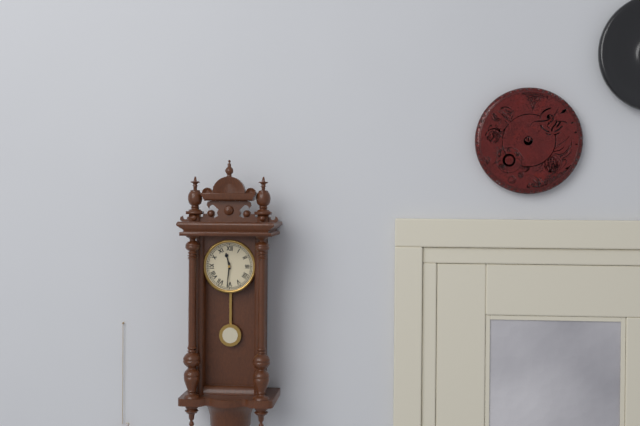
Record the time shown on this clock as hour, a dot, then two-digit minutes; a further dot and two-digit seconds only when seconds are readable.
11.31
